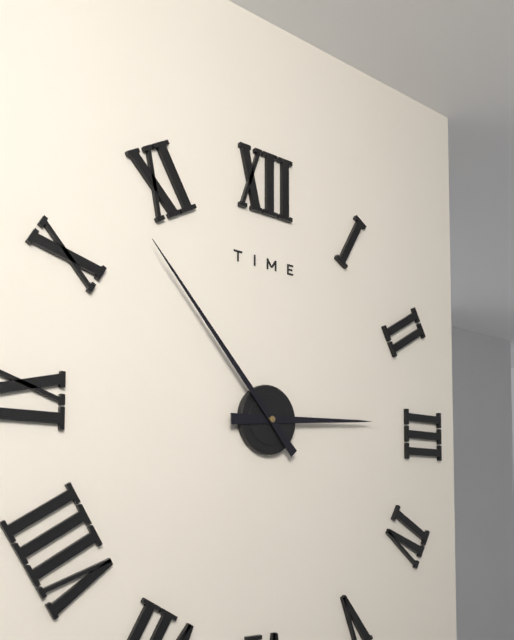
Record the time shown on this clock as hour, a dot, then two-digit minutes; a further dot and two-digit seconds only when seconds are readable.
2.53
